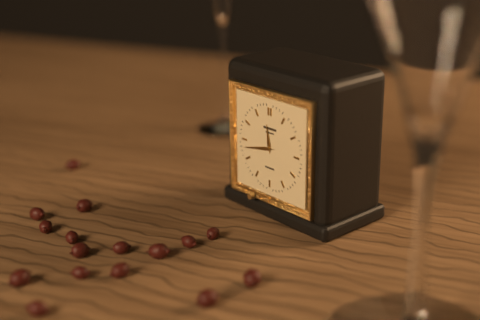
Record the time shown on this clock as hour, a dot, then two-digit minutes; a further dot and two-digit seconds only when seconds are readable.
11.43
